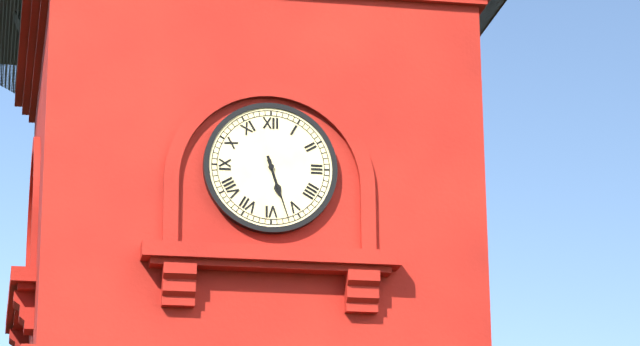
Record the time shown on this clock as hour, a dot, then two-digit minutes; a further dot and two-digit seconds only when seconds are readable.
5.27
